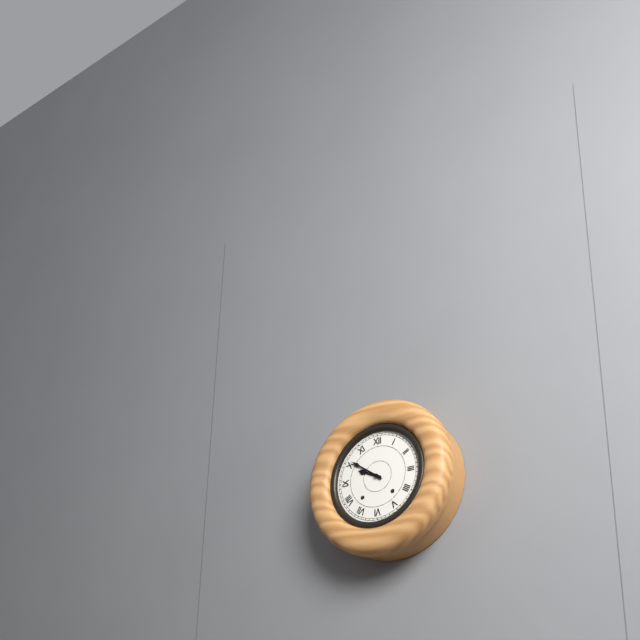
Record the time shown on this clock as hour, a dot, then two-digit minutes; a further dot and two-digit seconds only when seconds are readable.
9.51
